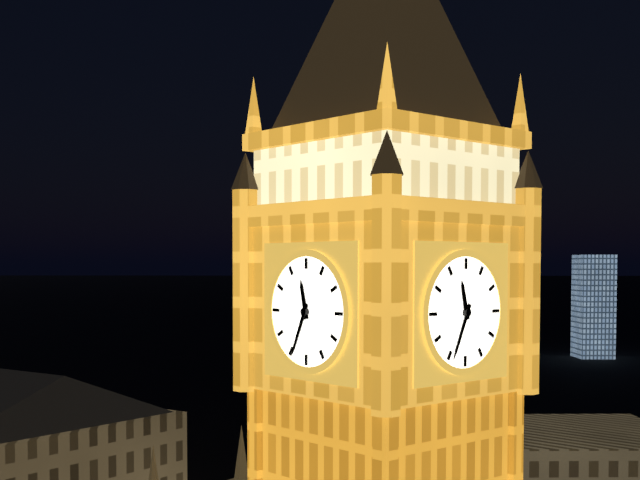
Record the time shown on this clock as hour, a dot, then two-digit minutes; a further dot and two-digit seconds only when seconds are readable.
11.34
